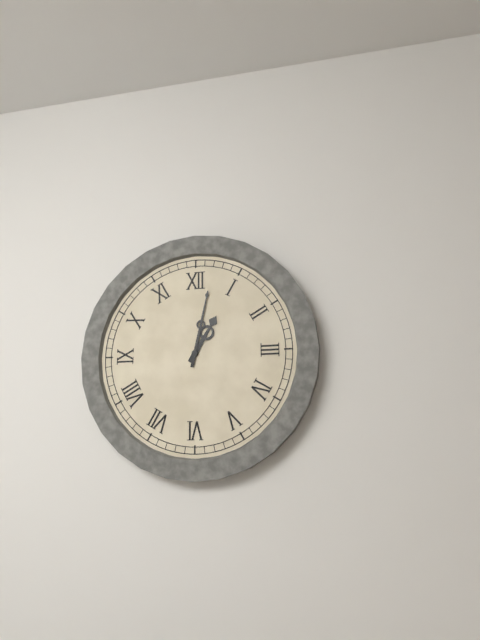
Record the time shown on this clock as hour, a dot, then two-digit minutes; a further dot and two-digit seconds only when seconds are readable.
1.02
